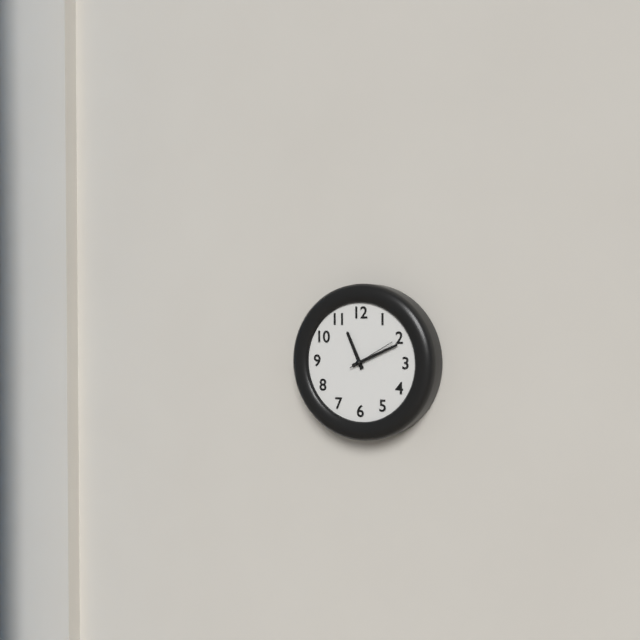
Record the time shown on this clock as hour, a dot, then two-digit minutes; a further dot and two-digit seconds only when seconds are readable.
11.11
